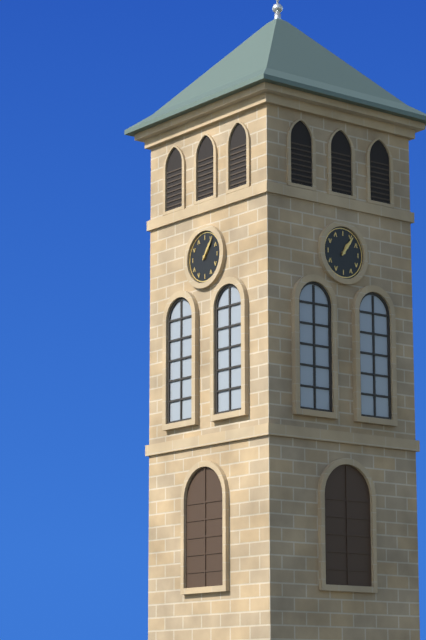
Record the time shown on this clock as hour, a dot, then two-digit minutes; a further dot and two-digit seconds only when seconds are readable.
1.06
